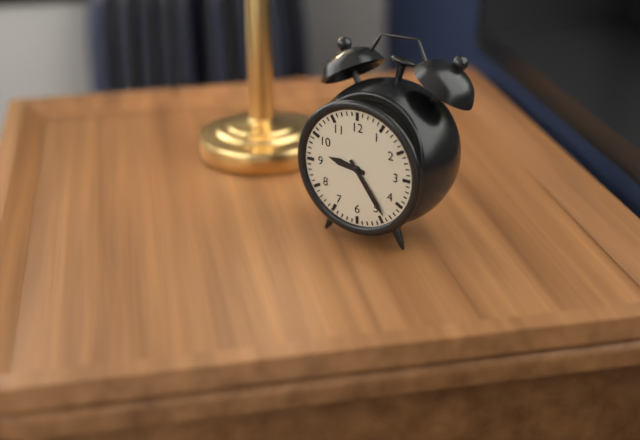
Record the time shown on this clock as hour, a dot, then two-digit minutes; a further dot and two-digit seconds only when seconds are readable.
9.24
